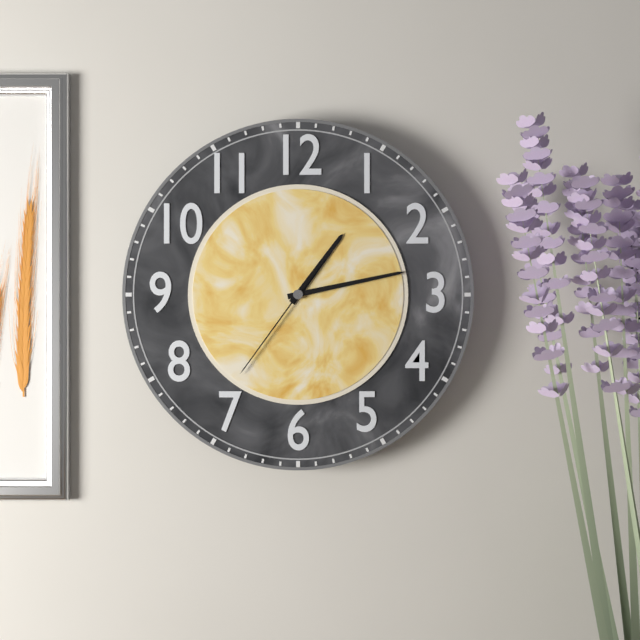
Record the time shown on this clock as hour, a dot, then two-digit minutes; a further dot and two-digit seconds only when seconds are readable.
1.13.36
